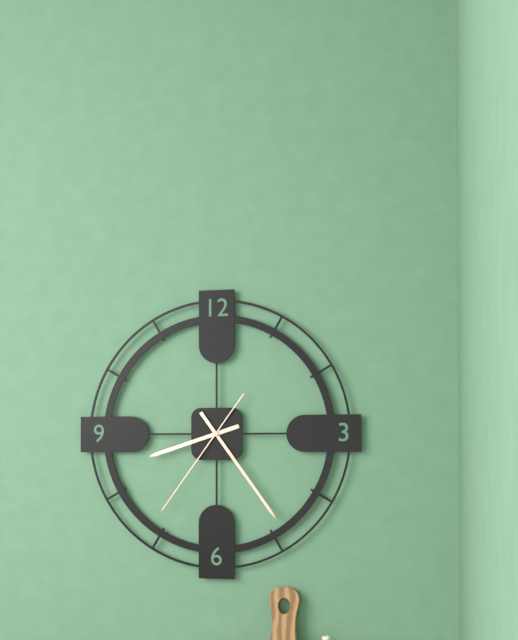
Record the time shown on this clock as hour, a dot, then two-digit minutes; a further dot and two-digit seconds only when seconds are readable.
8.24.36
